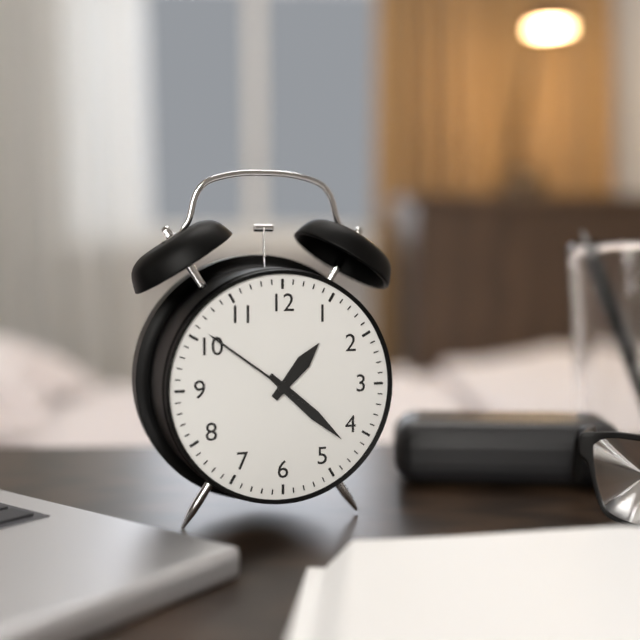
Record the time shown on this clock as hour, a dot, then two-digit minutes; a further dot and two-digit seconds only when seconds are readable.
1.22.51
